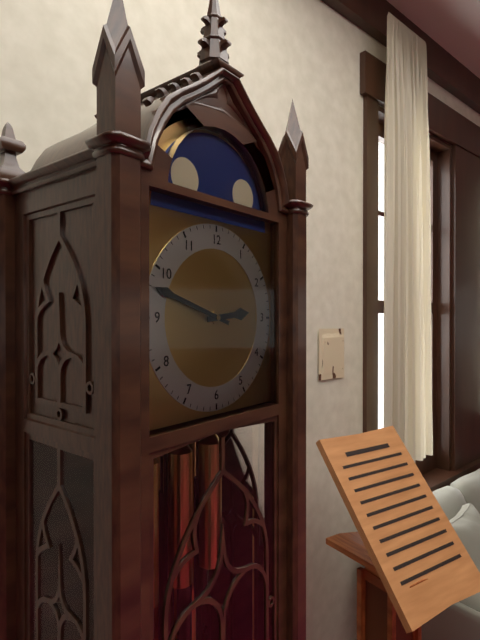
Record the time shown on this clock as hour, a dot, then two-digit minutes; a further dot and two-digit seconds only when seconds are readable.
2.48
